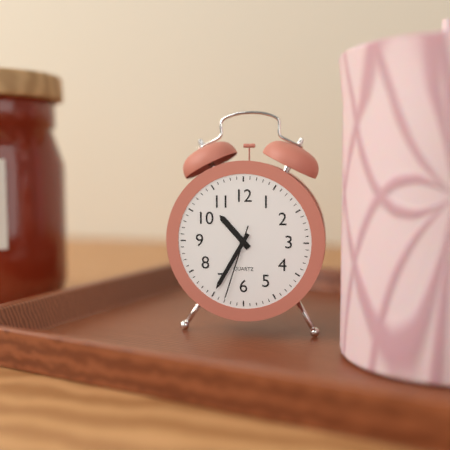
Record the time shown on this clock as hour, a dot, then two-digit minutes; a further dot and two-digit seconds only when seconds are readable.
10.35.33
